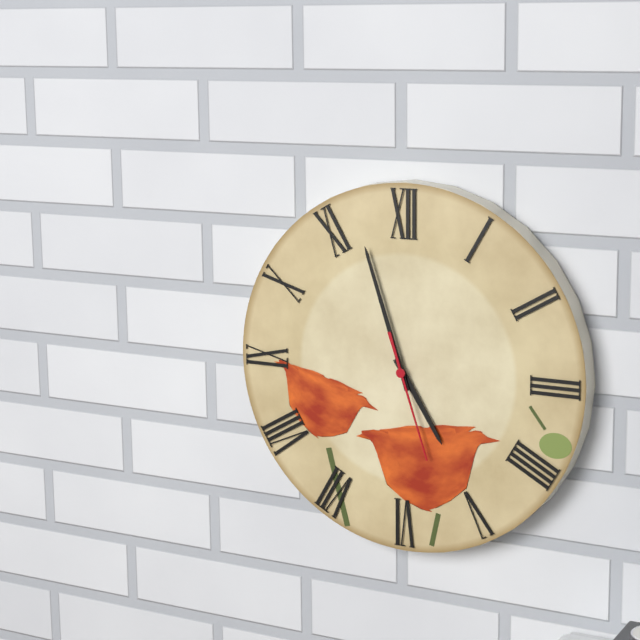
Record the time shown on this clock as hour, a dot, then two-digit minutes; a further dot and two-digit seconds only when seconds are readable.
4.57.27
